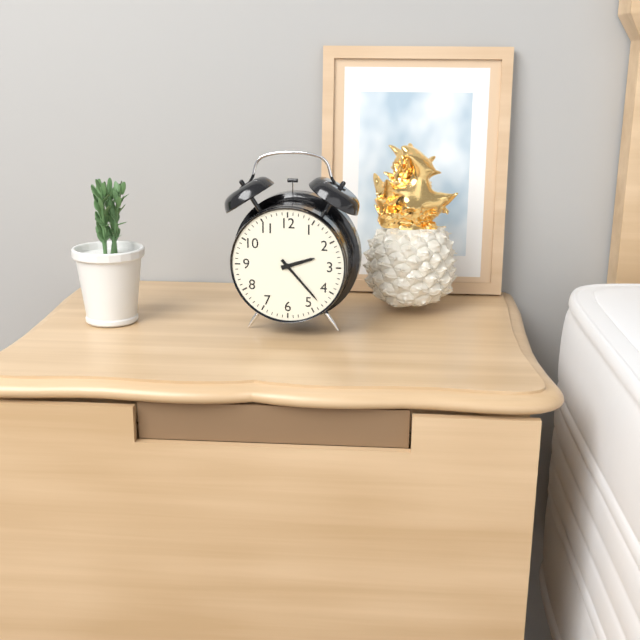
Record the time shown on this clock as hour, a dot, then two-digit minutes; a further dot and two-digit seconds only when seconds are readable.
2.23
